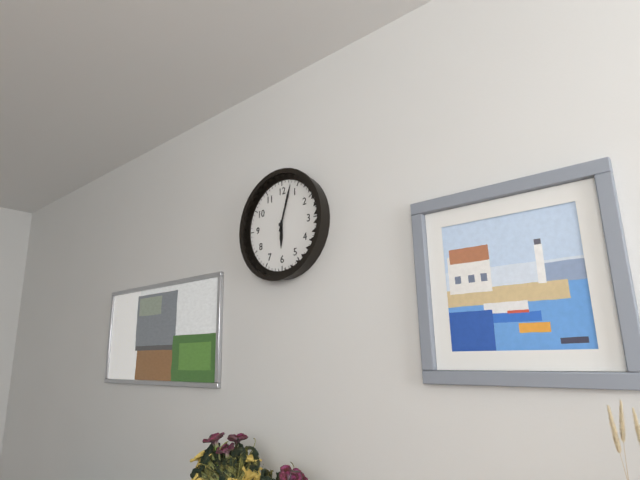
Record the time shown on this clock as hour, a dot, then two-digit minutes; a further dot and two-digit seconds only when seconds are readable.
6.03
